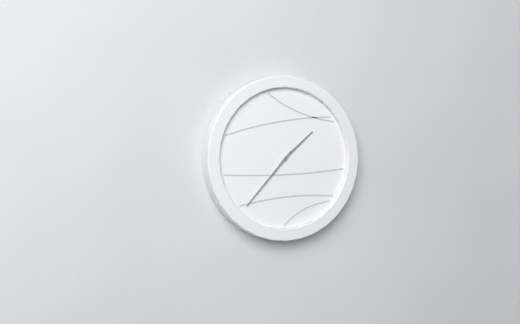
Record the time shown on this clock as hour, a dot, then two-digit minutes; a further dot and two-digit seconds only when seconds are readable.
1.37
